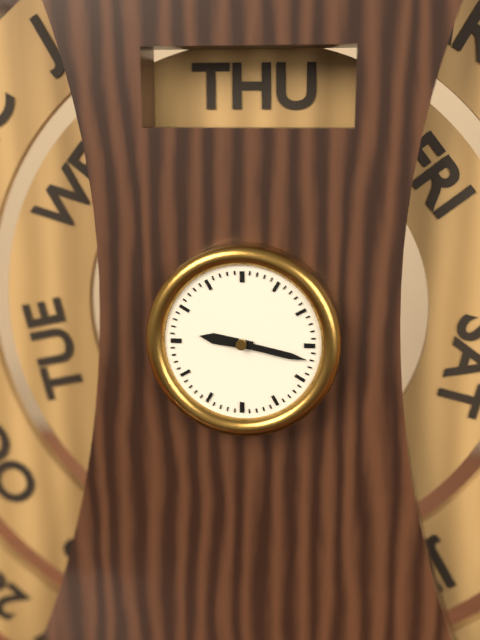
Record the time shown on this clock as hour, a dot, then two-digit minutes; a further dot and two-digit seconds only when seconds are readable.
9.17
